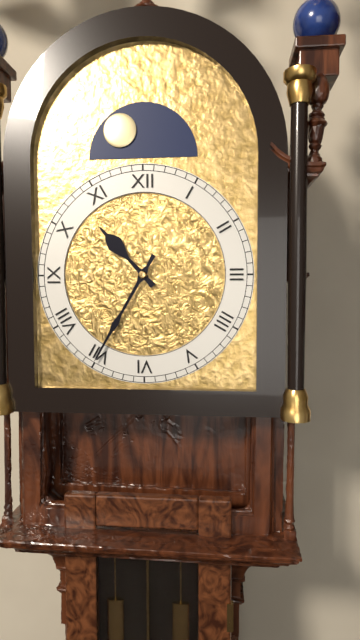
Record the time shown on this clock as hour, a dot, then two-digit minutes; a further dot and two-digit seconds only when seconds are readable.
10.35
